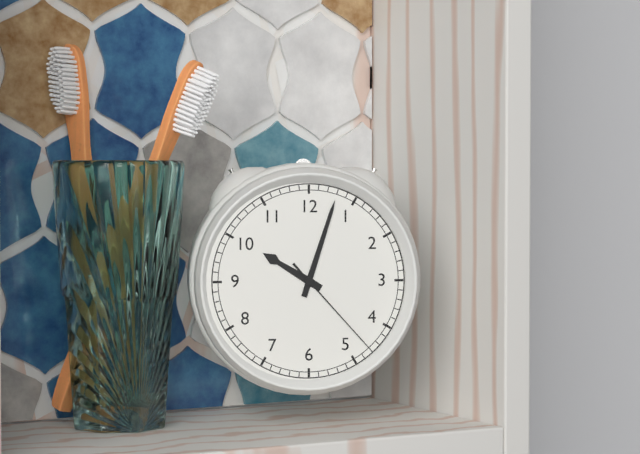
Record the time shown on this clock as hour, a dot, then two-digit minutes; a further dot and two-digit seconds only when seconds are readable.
10.03.23
